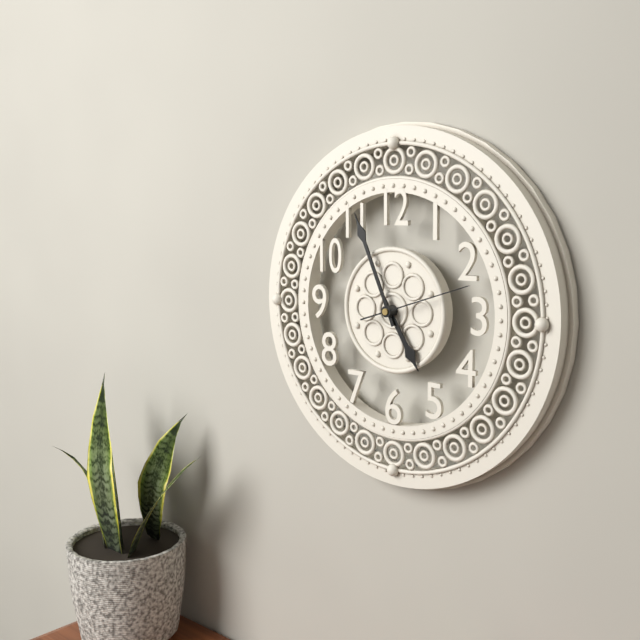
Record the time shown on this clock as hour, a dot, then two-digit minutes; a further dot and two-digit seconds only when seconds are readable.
4.56.12
